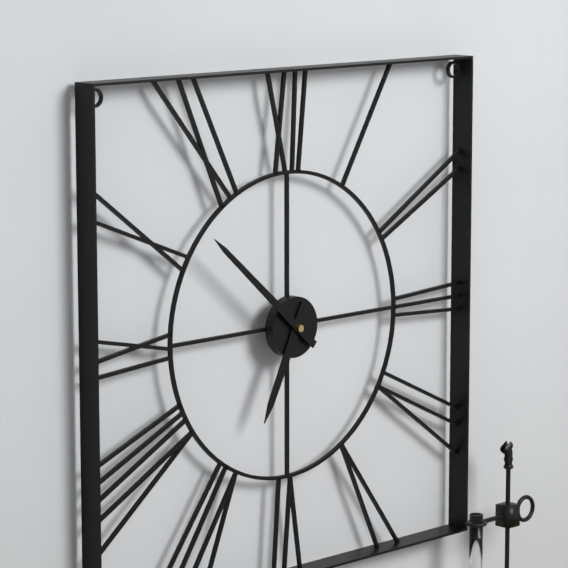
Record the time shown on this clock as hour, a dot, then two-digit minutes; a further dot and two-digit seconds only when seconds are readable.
6.52
